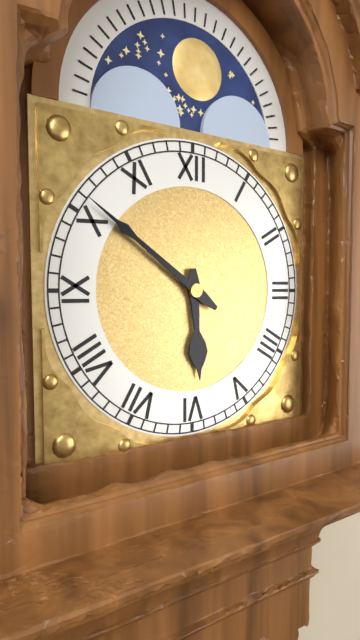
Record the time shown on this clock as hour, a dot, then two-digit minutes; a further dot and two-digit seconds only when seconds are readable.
5.51
